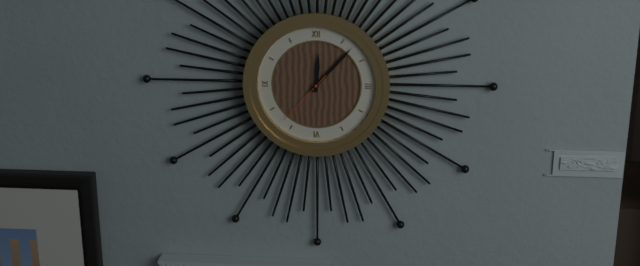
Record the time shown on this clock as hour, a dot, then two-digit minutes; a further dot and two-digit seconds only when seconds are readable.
12.07.37
